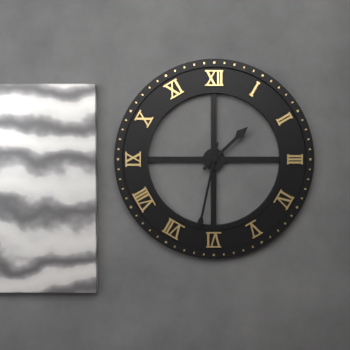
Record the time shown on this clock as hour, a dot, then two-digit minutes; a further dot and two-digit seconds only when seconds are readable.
1.32
